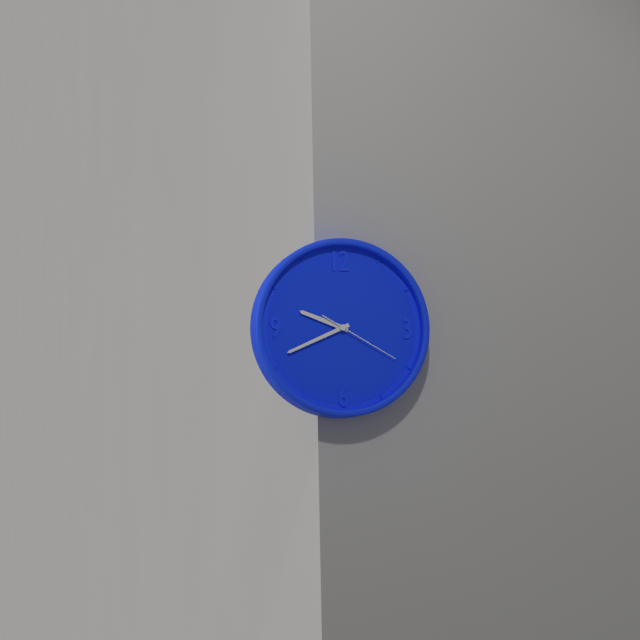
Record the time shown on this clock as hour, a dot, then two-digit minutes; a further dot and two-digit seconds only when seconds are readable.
9.41.20
